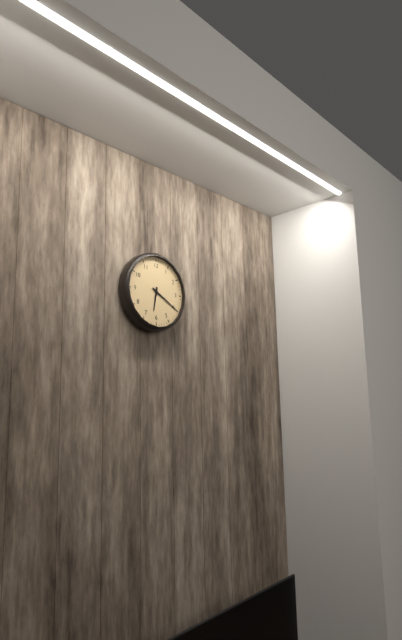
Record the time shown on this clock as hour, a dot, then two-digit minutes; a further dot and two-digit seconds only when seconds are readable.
6.20
